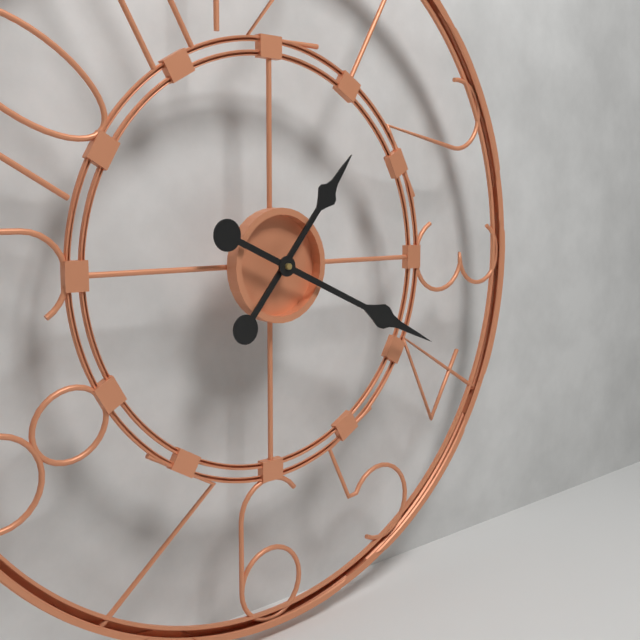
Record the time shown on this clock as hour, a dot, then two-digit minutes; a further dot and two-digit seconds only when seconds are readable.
1.19
